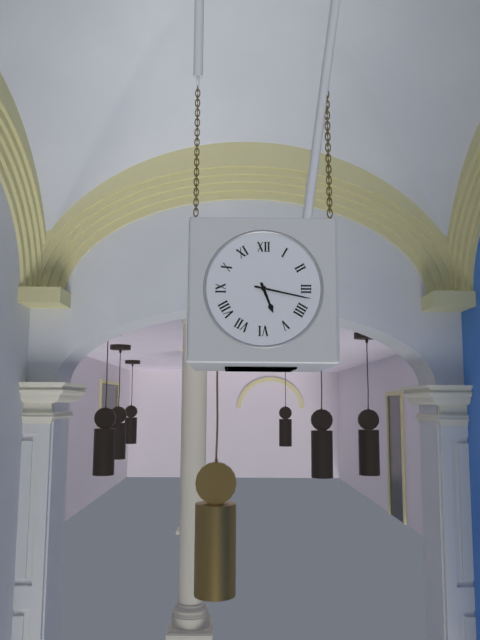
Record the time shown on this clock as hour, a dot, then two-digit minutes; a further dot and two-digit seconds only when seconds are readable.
5.17
